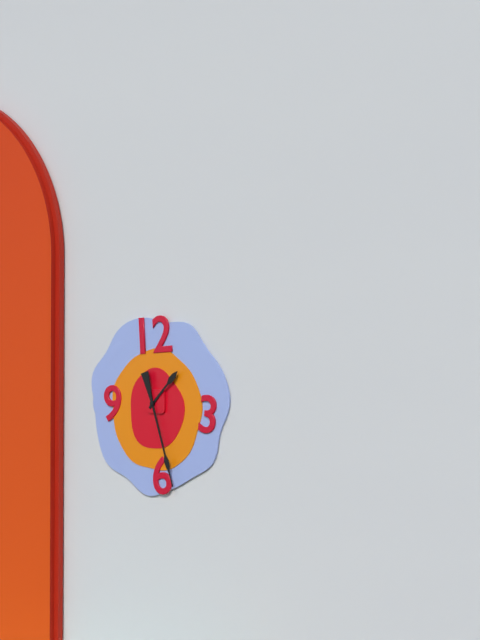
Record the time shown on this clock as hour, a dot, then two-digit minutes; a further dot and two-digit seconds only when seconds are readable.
1.27
